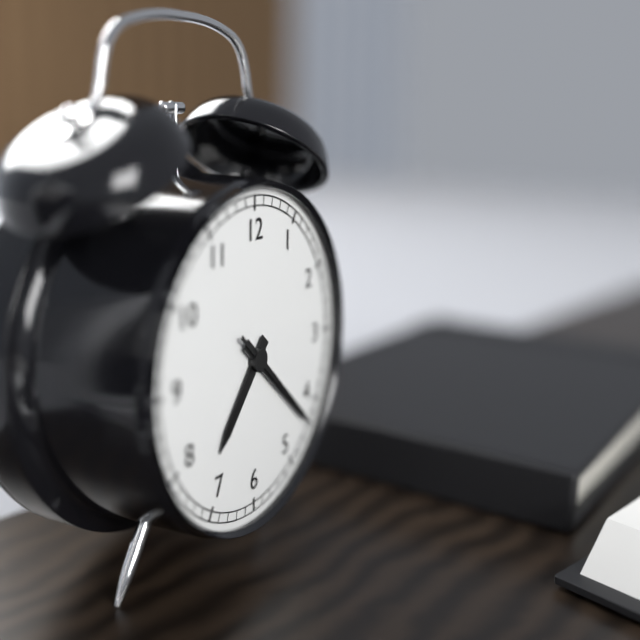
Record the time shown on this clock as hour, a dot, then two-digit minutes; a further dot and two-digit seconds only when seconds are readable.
7.22.22
